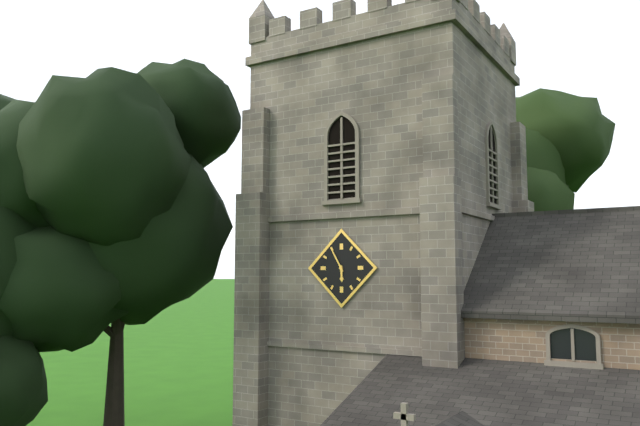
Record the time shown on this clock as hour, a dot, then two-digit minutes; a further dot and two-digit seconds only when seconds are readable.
5.55
